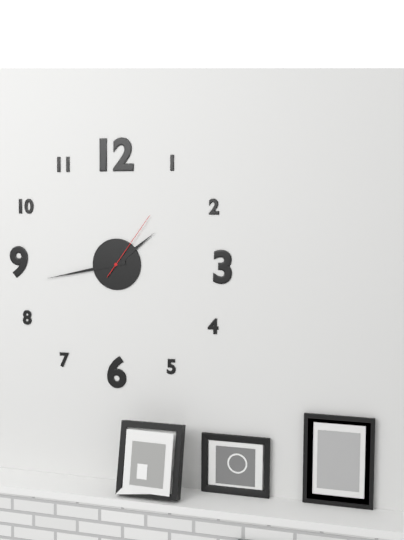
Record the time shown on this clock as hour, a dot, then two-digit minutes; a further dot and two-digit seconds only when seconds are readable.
1.43.06
